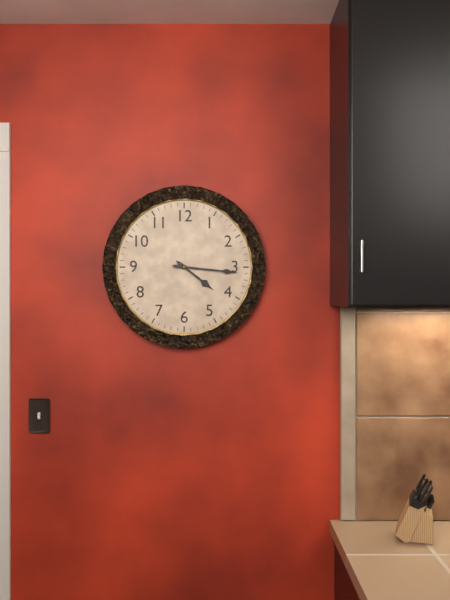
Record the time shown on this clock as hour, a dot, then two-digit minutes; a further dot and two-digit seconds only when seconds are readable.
4.16
